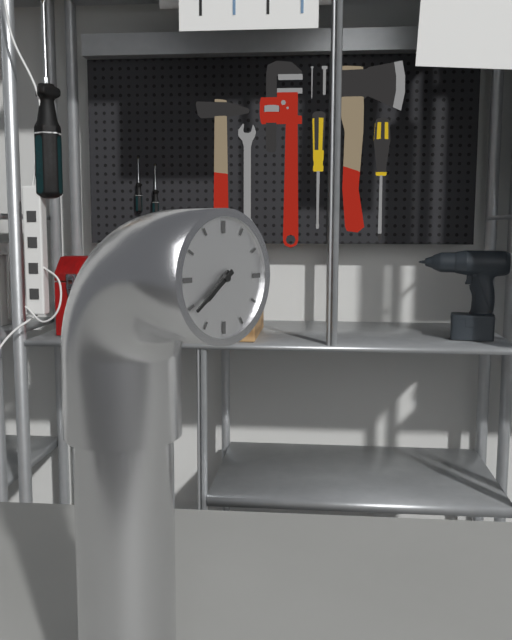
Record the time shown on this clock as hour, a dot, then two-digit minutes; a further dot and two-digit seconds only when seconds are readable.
7.39
